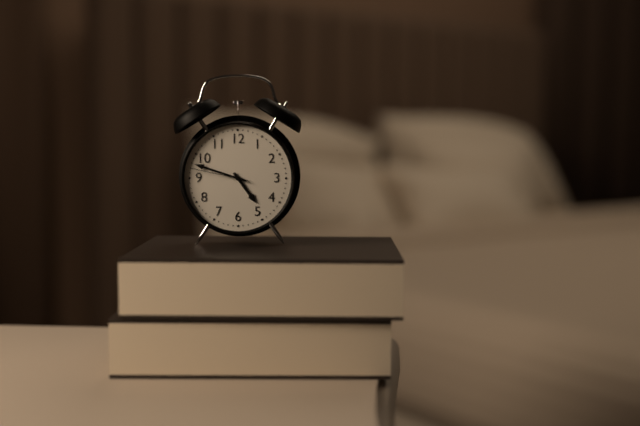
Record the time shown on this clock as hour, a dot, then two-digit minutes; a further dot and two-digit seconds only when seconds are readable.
4.48.47
